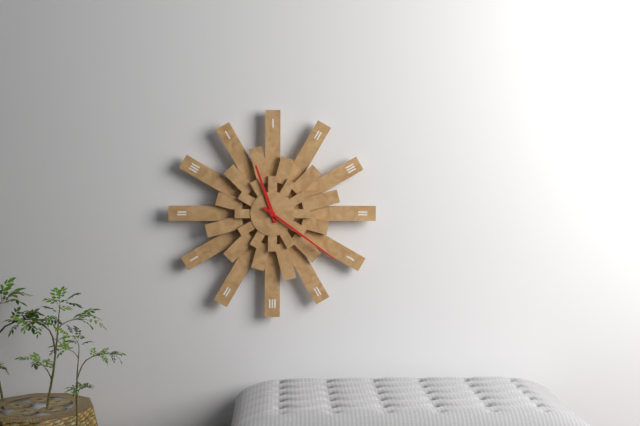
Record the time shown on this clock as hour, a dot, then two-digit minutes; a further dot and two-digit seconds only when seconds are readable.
11.21
